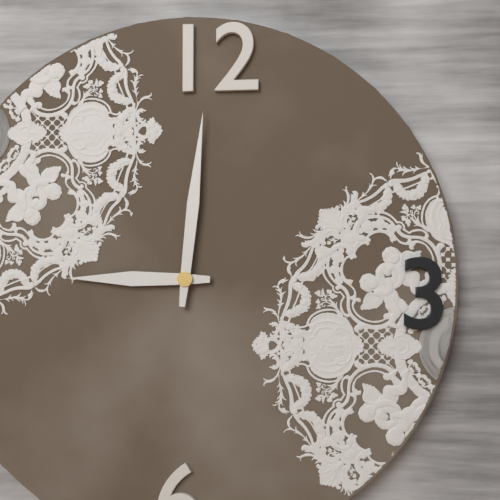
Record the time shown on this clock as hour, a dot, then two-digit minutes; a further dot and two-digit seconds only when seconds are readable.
9.01
